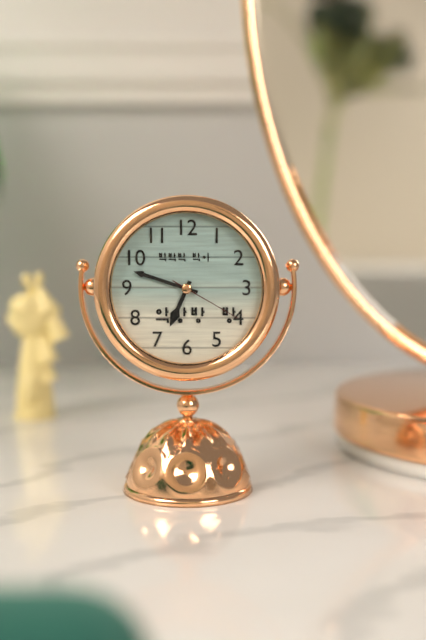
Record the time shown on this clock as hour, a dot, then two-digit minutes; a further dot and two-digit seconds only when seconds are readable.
6.48.20
